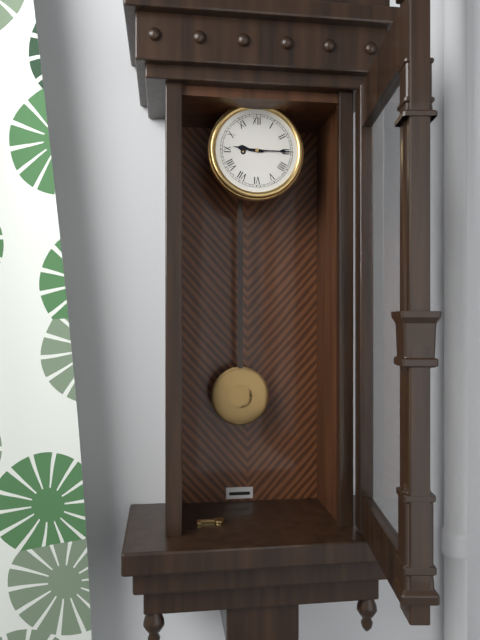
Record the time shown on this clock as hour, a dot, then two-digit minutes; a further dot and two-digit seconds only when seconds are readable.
9.15
